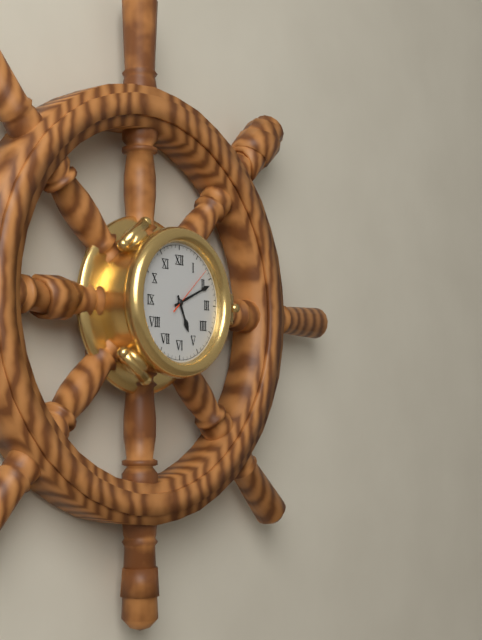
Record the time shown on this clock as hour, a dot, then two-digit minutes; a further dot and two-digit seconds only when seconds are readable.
5.11.08
